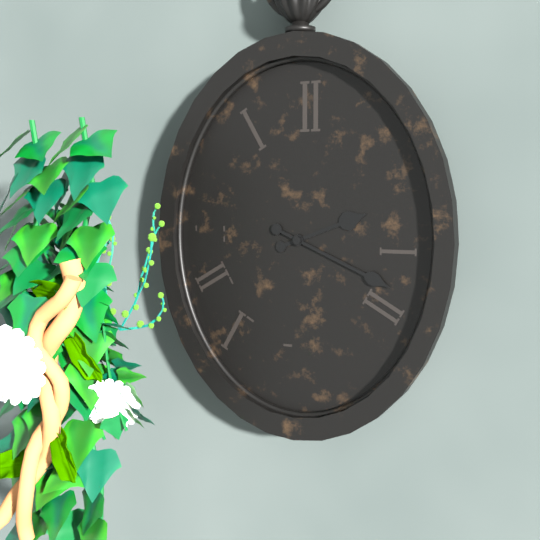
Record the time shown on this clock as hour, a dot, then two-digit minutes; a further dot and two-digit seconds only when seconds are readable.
2.19
